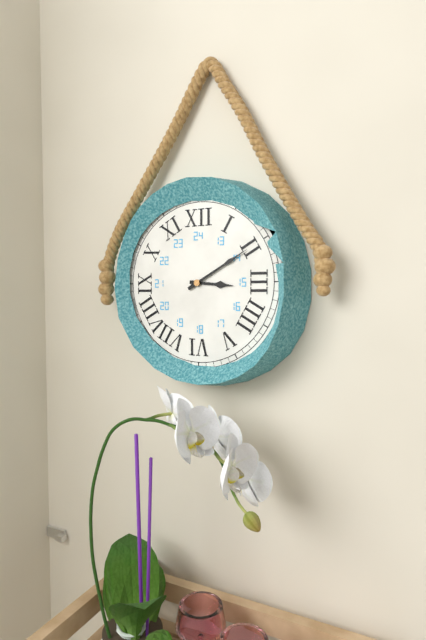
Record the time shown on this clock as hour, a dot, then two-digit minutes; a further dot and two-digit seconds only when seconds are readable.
3.10
